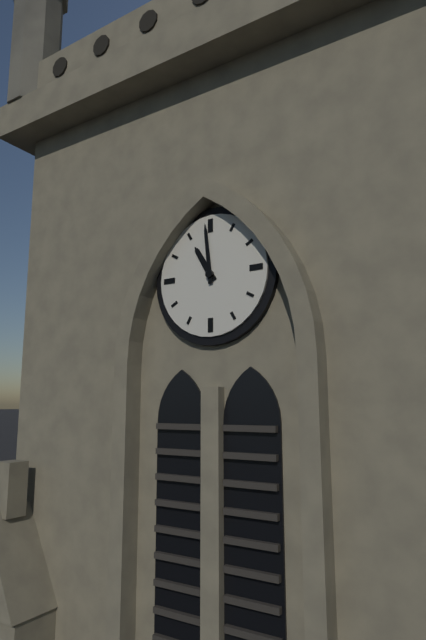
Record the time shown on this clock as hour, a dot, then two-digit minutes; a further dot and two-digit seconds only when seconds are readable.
10.59
